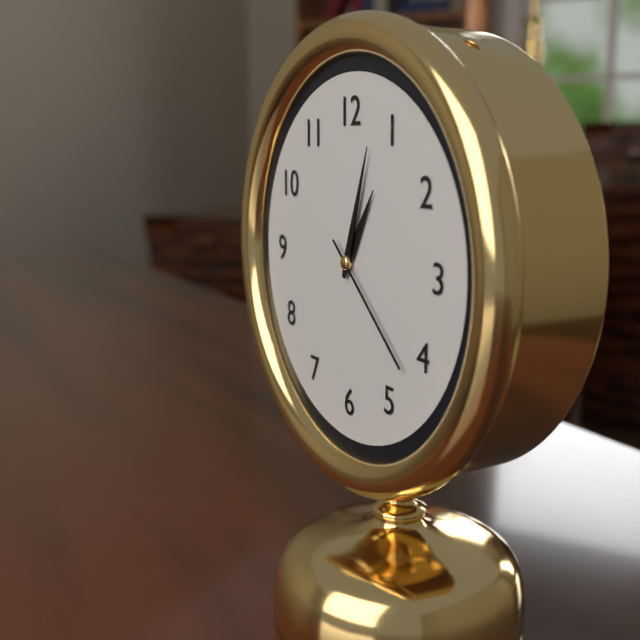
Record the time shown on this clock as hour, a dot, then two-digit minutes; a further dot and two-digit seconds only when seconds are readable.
1.03.22
